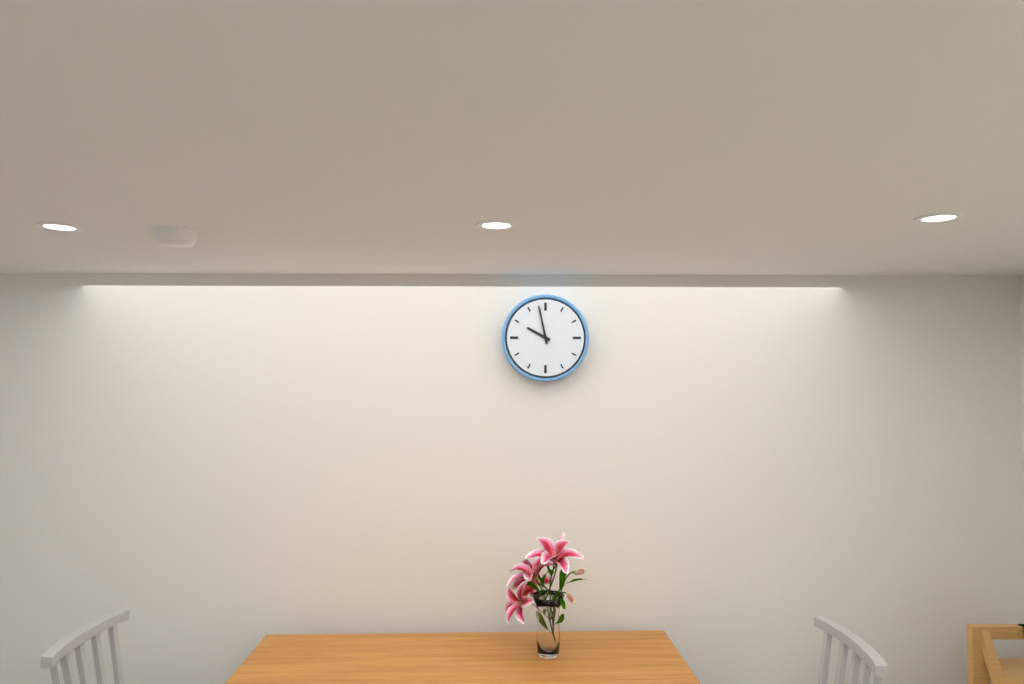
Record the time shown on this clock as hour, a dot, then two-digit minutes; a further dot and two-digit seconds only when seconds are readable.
9.58
